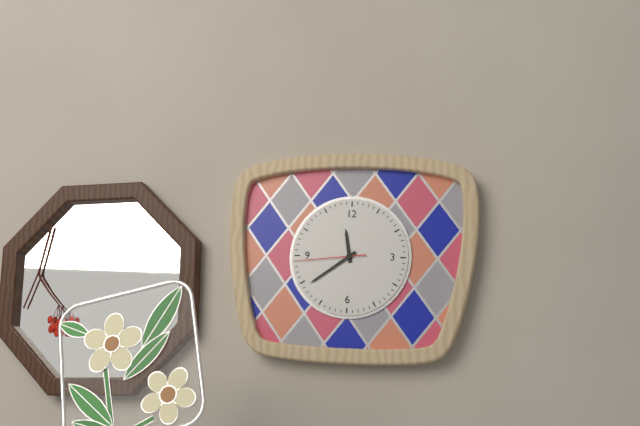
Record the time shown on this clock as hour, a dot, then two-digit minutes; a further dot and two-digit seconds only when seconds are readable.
11.39.44
